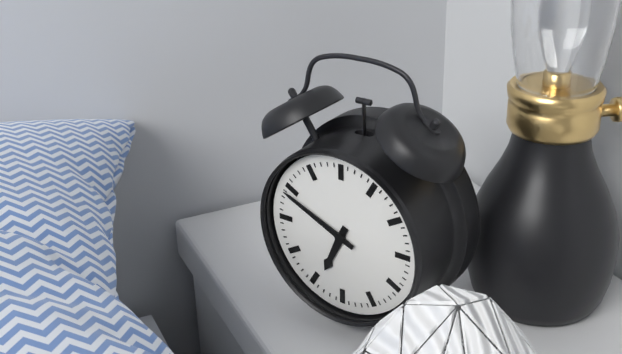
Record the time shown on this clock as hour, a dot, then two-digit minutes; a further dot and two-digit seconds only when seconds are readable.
6.49
